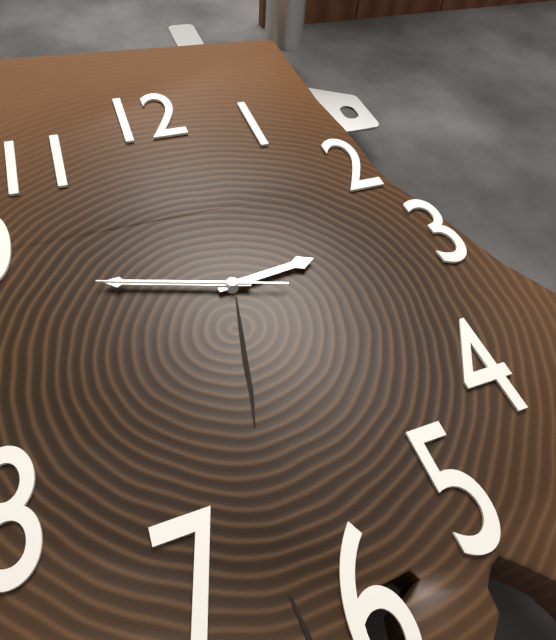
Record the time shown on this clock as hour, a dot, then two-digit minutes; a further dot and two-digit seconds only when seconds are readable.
2.48.48
